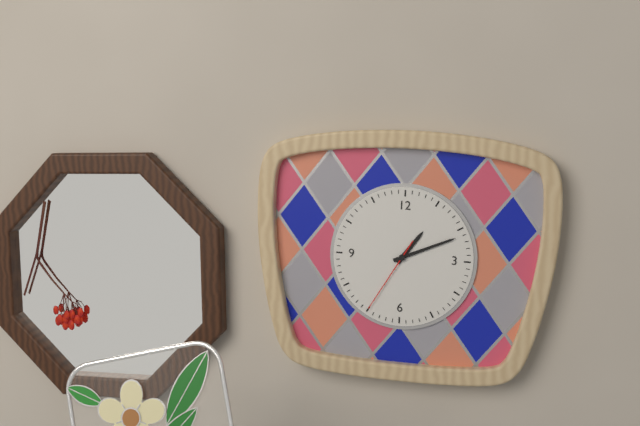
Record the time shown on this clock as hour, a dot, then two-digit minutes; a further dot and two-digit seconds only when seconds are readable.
1.11.35
